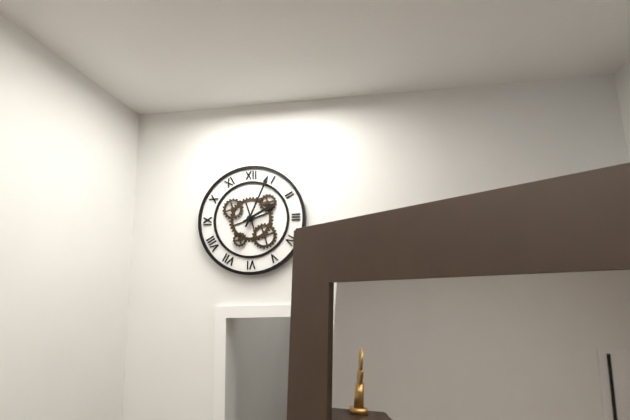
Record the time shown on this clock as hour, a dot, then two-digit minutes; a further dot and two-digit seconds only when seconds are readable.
2.04
